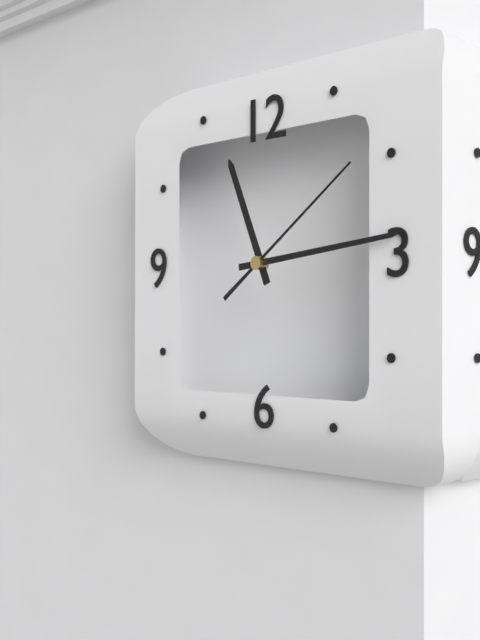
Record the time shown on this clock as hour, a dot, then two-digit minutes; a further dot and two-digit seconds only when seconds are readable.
11.14.09
